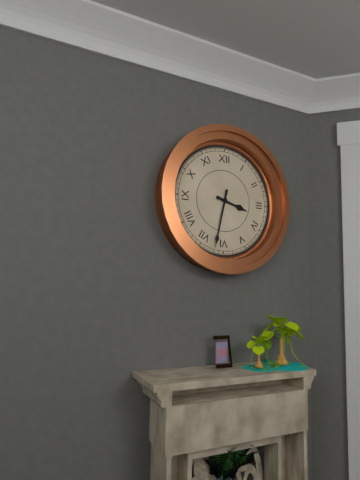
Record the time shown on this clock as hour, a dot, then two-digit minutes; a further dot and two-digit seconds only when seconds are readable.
3.32
